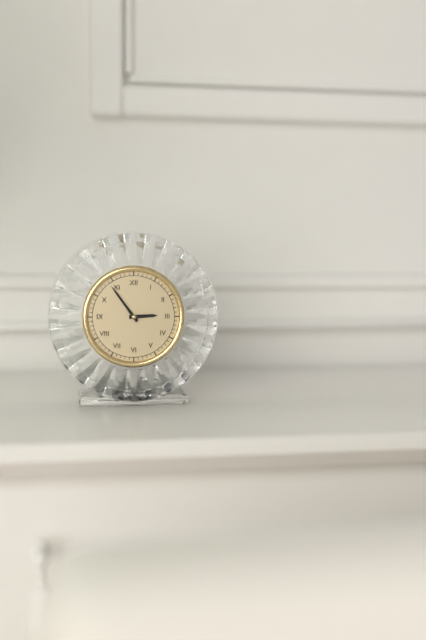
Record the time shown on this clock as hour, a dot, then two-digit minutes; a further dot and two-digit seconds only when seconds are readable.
2.54
